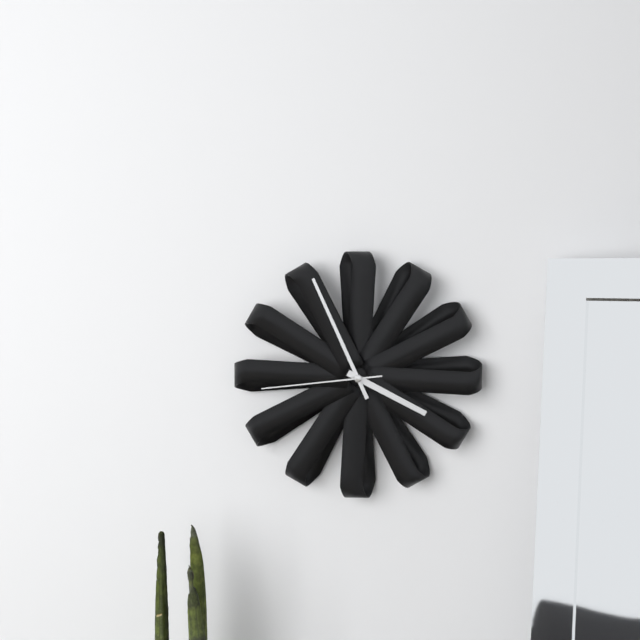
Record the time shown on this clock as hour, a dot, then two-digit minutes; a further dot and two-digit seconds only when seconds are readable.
3.56.44
